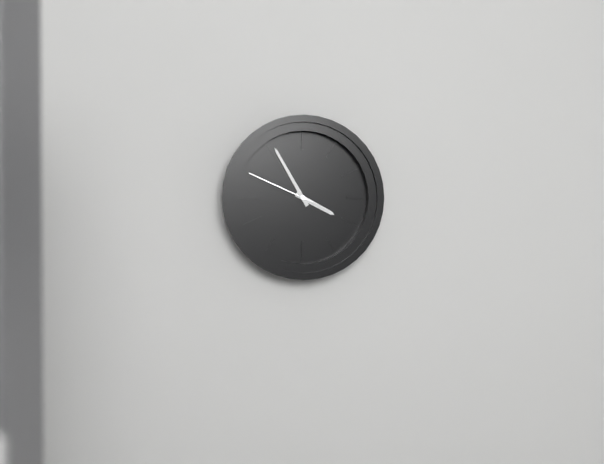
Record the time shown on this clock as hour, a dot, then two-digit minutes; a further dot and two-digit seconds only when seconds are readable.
3.55.49
